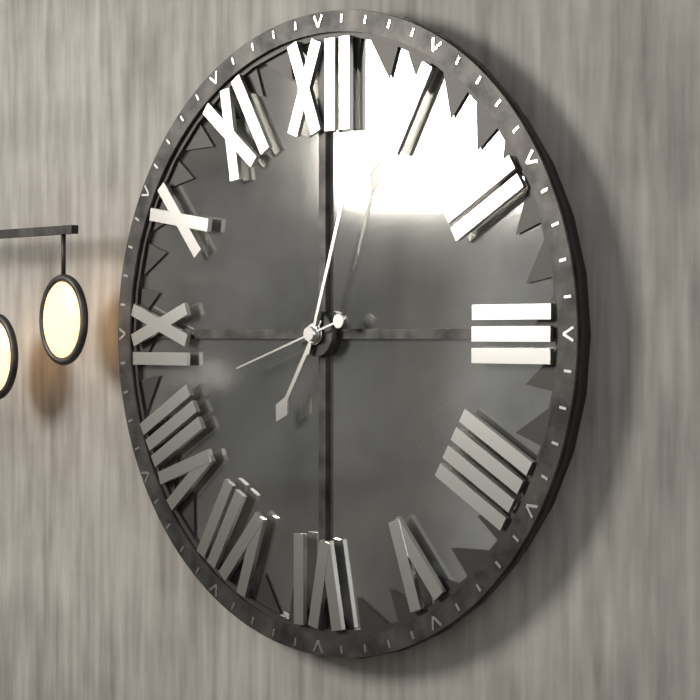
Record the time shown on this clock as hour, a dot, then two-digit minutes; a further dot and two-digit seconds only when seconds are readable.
7.03.42
